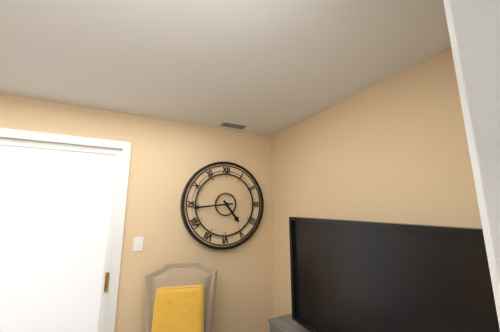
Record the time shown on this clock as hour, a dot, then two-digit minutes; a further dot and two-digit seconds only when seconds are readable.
4.44
